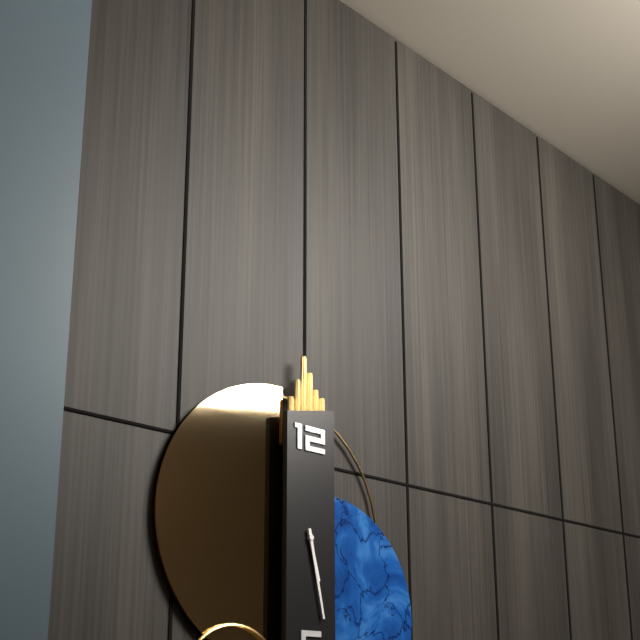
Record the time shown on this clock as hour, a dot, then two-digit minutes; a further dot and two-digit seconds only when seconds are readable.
5.28
